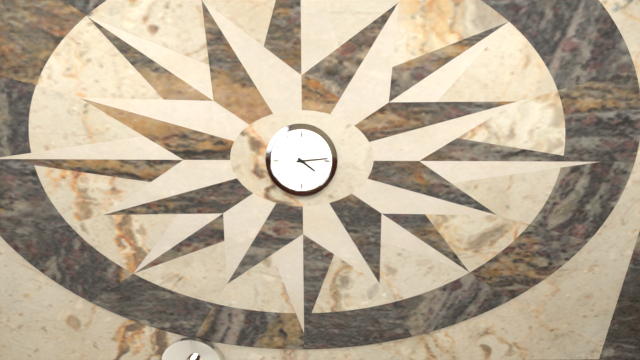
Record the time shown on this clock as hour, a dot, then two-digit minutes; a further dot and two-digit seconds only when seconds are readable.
4.14
